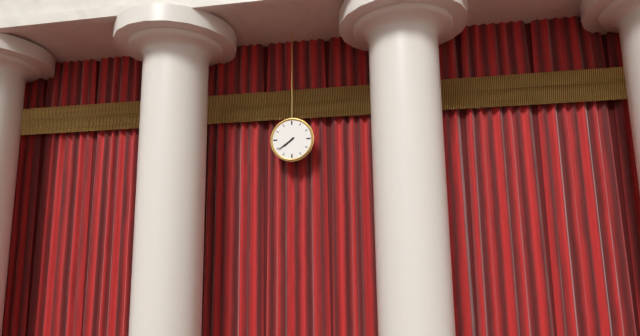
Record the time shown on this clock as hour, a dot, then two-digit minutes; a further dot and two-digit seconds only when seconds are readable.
7.39
